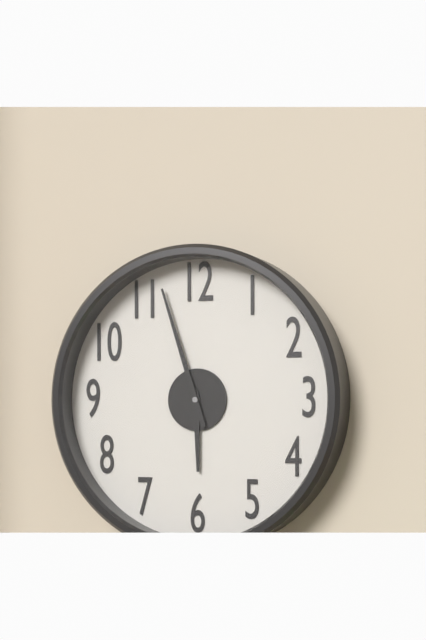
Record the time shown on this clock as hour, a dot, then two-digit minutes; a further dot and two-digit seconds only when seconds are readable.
5.57
